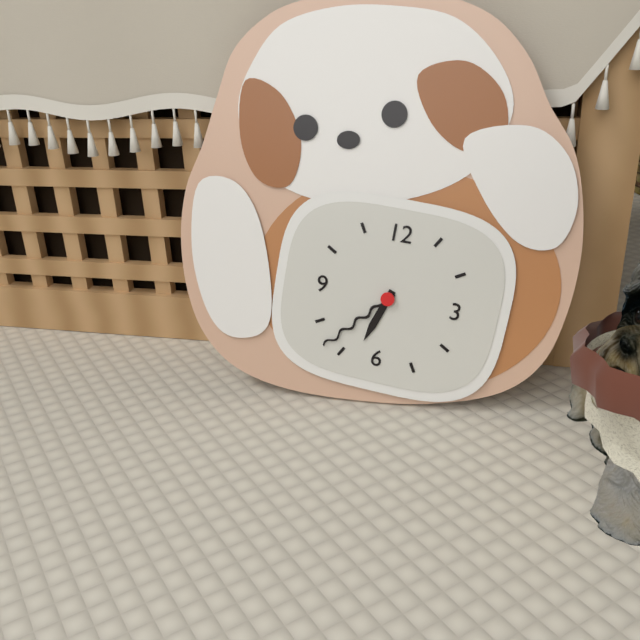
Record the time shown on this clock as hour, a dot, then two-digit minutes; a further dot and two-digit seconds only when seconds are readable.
6.37
